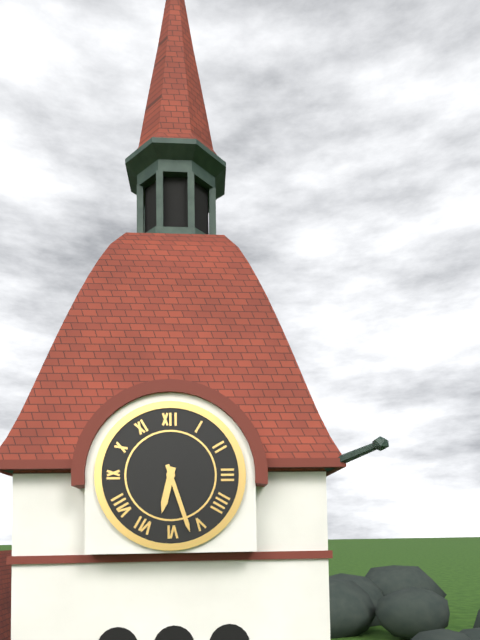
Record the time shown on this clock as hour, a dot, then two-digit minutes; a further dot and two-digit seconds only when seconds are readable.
6.27
